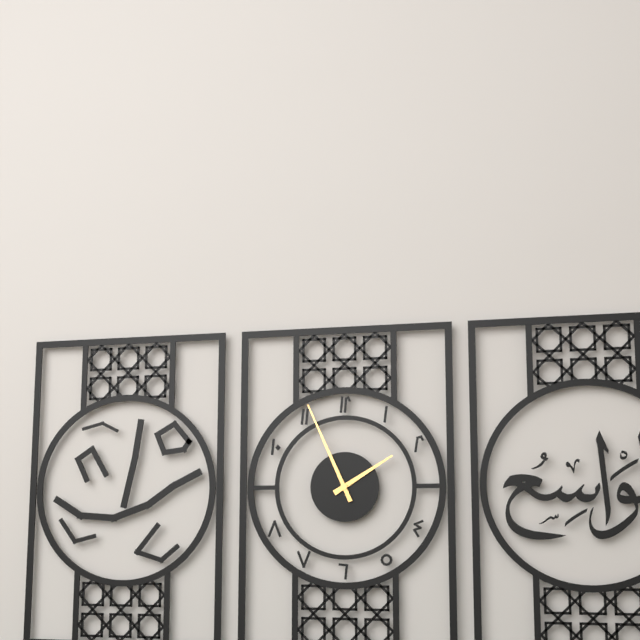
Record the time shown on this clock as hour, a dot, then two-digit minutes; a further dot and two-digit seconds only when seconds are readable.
1.56
